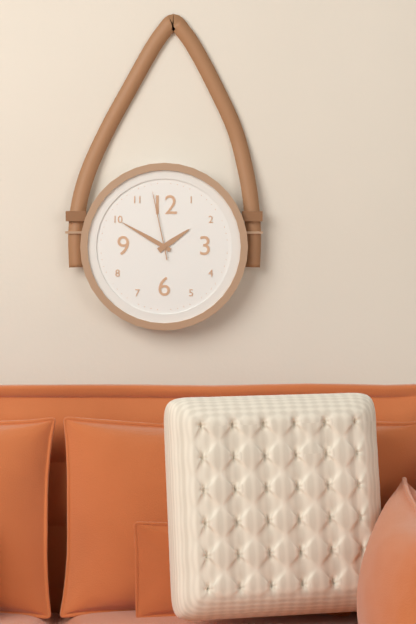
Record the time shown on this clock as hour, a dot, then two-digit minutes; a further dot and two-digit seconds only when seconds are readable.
1.50.58
